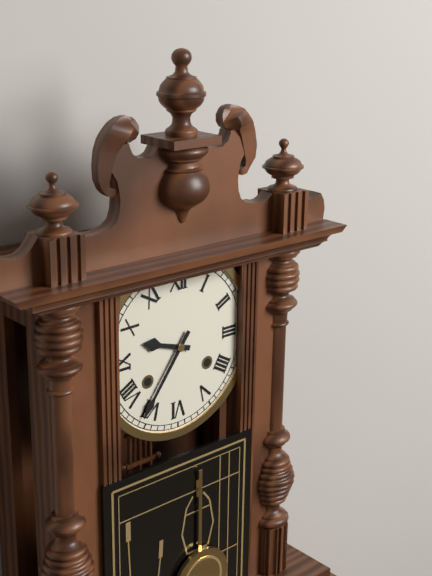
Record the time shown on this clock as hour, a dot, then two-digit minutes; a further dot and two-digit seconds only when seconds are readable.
9.36
